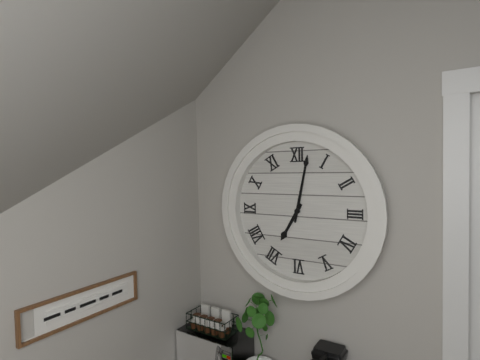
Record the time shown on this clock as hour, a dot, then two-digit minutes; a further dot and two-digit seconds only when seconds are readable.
7.02
